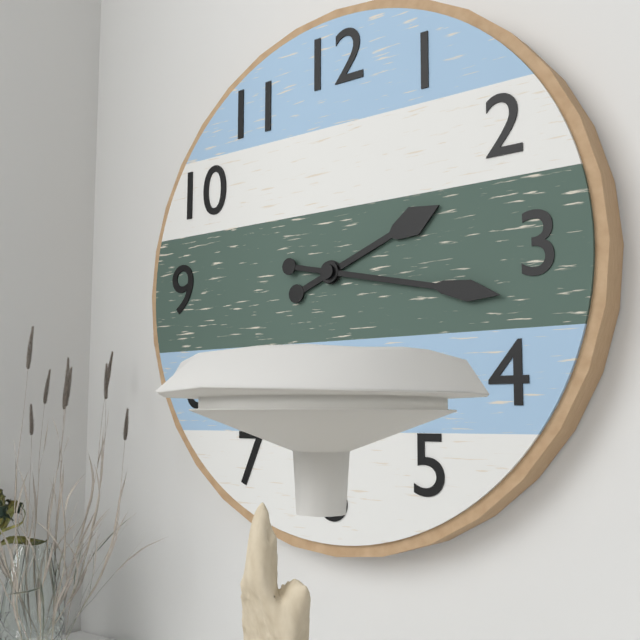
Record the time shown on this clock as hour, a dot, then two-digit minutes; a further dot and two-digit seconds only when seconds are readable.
2.17
